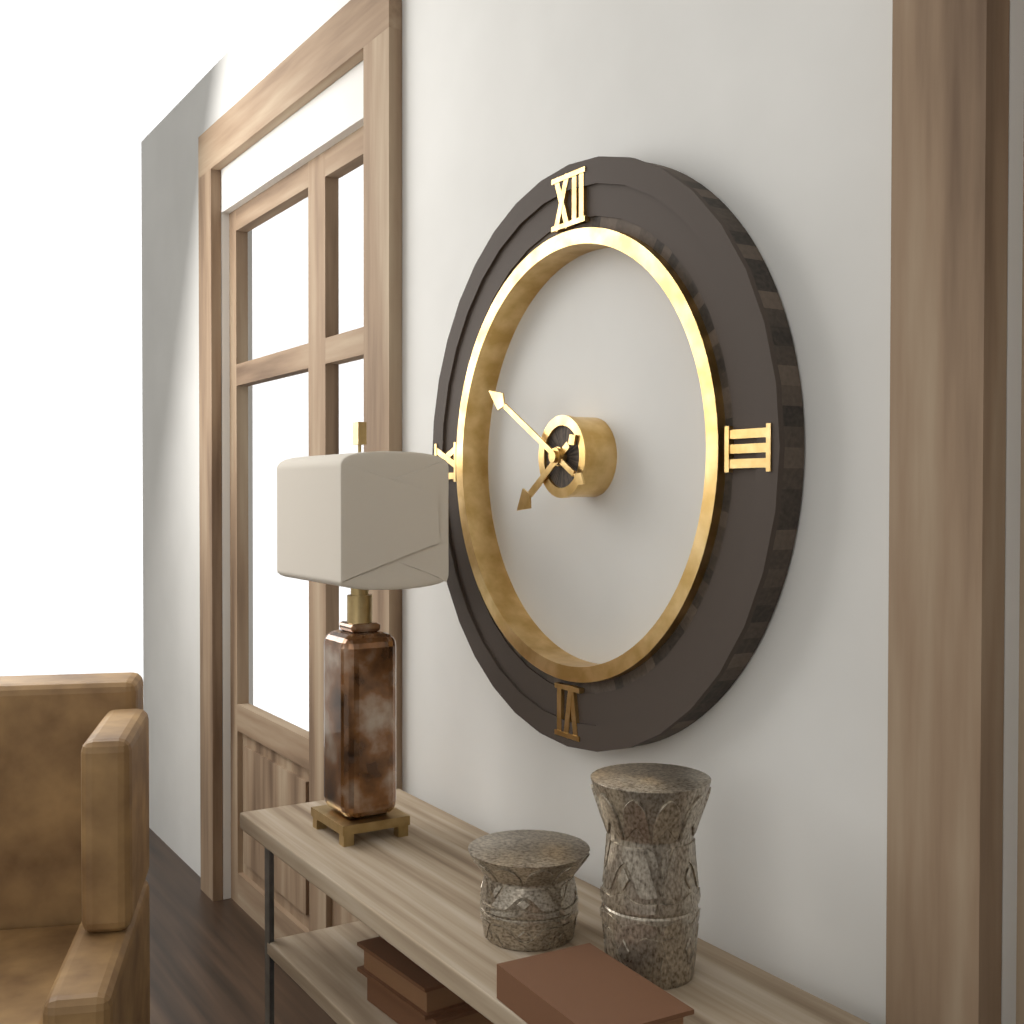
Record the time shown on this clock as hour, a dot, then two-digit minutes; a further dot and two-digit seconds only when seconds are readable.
7.50
